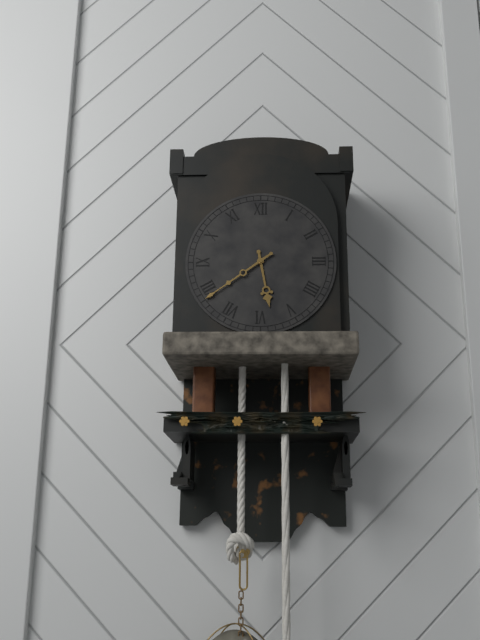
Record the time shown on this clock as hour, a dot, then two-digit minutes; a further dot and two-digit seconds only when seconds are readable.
5.39
